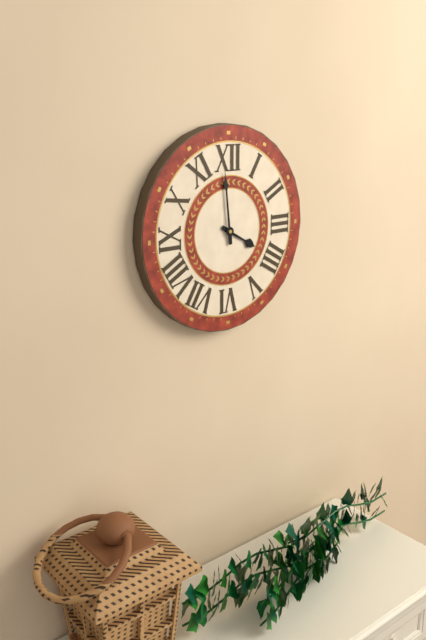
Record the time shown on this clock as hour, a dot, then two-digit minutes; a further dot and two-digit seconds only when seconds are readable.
3.59
